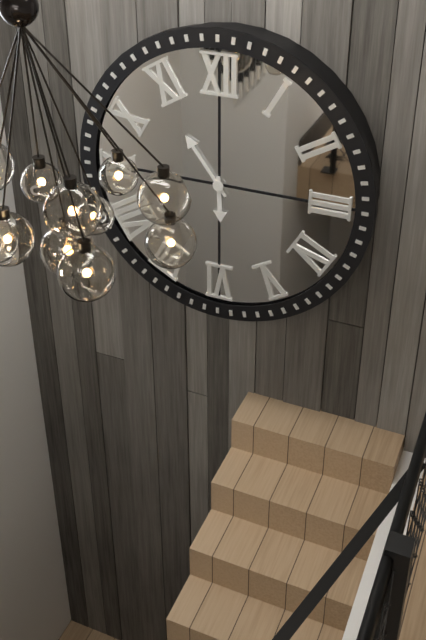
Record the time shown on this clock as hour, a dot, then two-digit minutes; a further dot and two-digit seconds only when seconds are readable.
5.54
